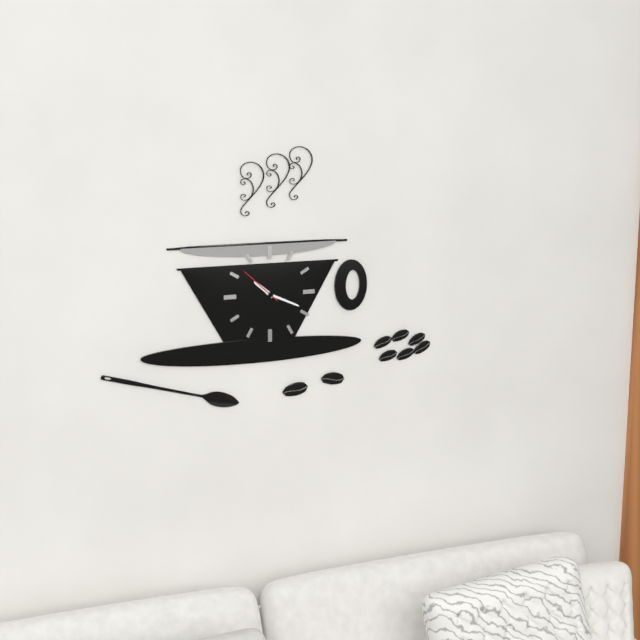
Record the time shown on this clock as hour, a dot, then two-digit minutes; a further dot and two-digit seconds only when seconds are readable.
10.19
